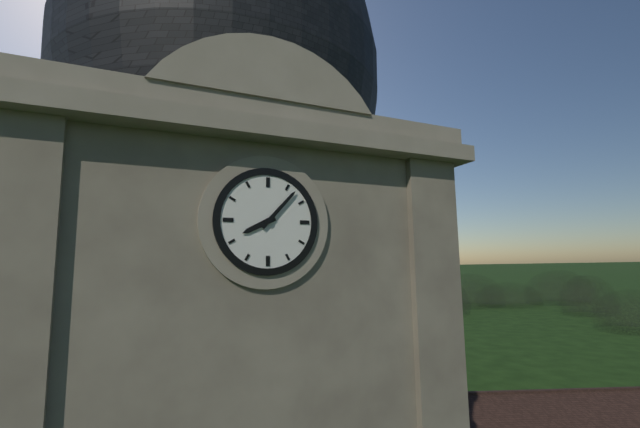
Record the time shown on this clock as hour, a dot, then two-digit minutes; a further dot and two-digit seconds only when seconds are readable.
8.07
